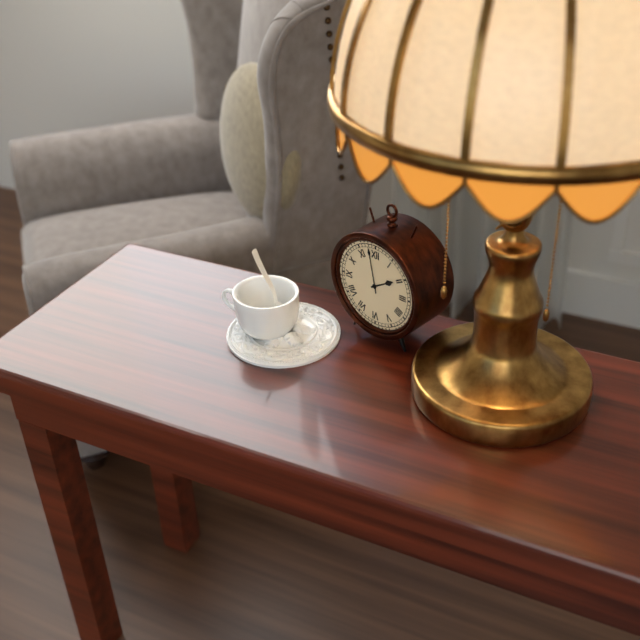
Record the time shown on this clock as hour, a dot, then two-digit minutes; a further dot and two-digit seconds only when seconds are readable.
1.58
